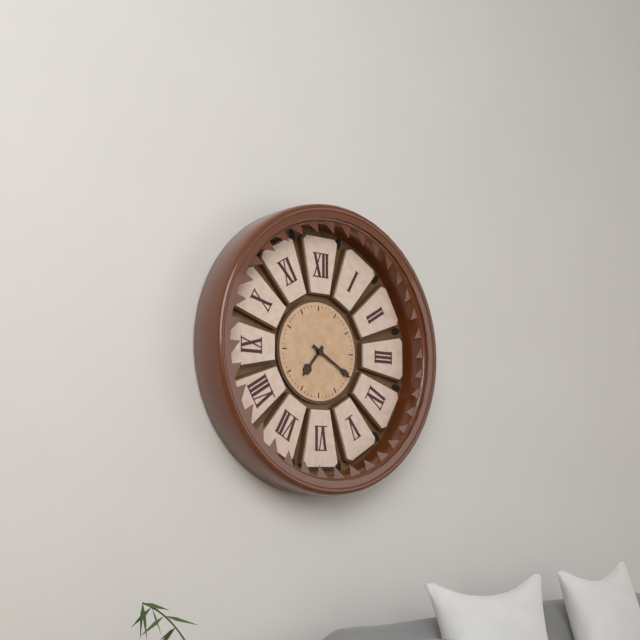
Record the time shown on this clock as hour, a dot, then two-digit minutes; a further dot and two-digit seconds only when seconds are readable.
7.20
